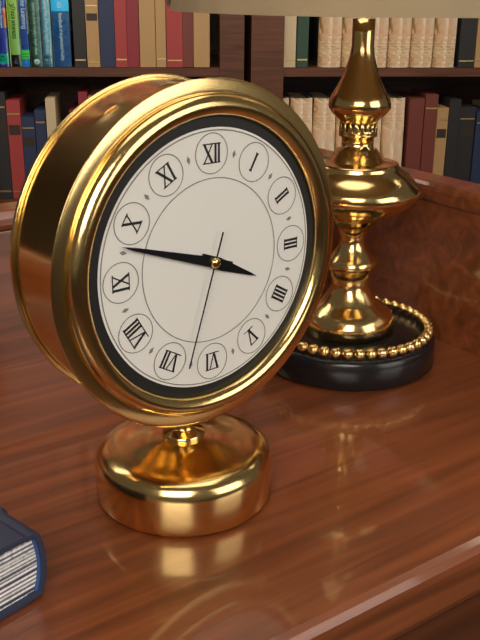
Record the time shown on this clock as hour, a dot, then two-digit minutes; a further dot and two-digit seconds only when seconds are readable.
3.48.33
